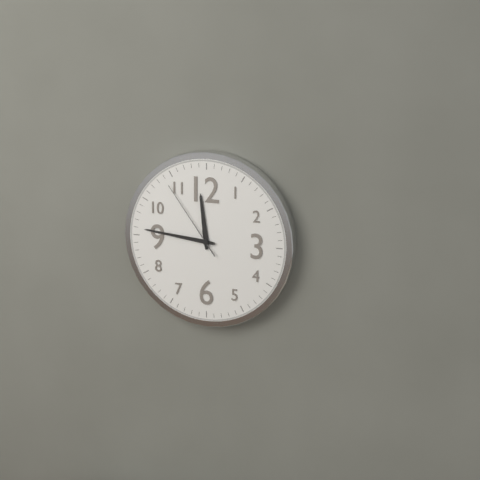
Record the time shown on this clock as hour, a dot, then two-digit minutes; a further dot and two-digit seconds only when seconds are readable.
11.46.54
